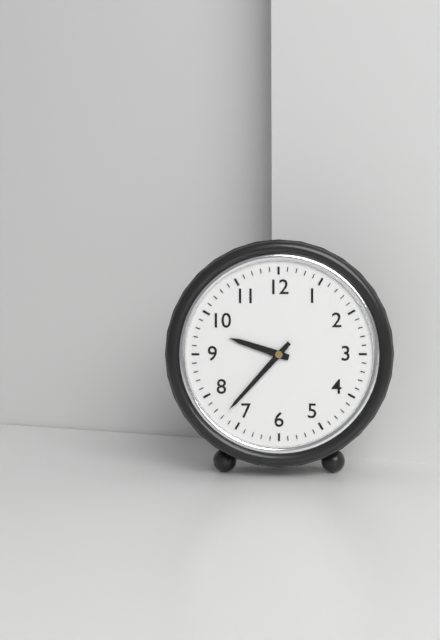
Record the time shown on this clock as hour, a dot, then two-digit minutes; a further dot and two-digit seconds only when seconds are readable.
9.37
